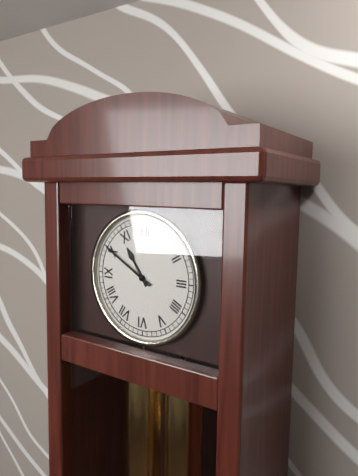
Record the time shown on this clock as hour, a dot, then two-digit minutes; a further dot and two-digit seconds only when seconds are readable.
10.50
